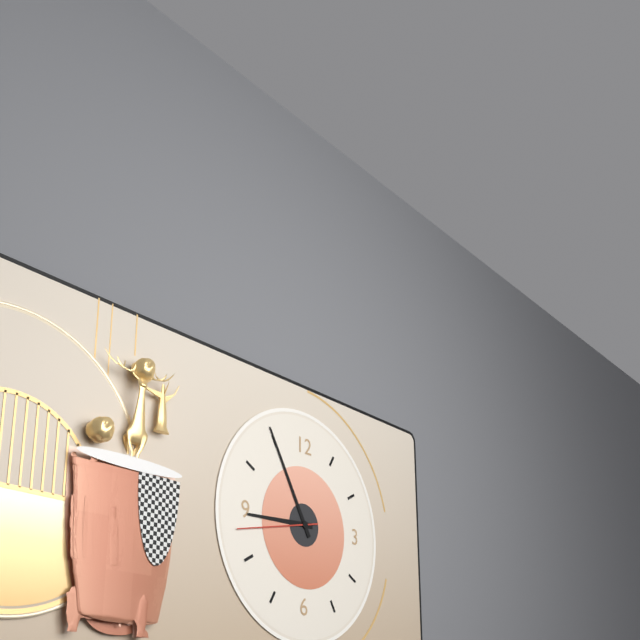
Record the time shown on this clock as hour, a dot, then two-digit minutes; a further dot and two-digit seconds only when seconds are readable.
8.55.43
